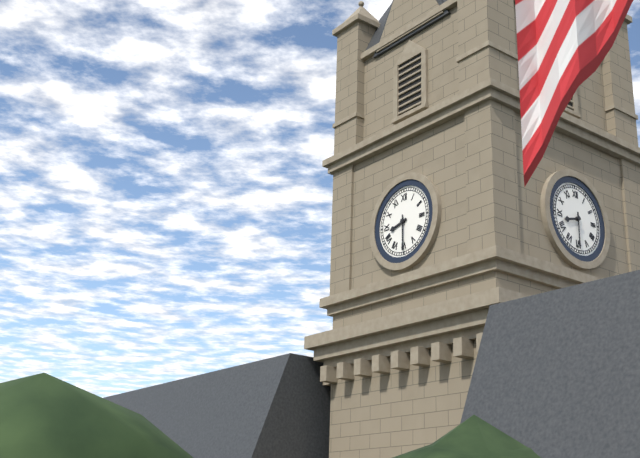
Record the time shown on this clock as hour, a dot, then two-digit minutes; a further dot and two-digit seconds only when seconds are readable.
8.30
